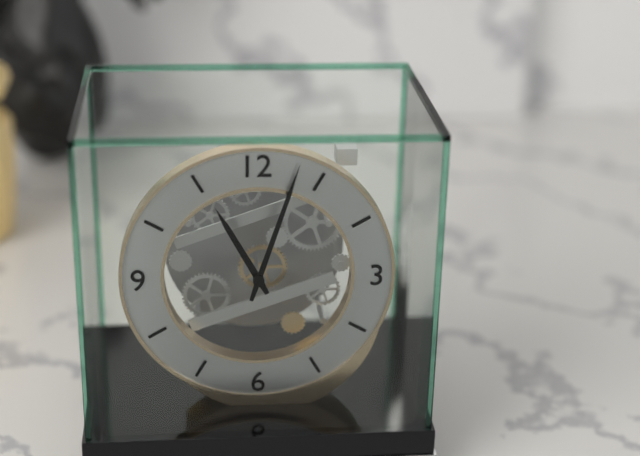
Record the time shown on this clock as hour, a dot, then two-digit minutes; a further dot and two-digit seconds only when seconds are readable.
11.03
